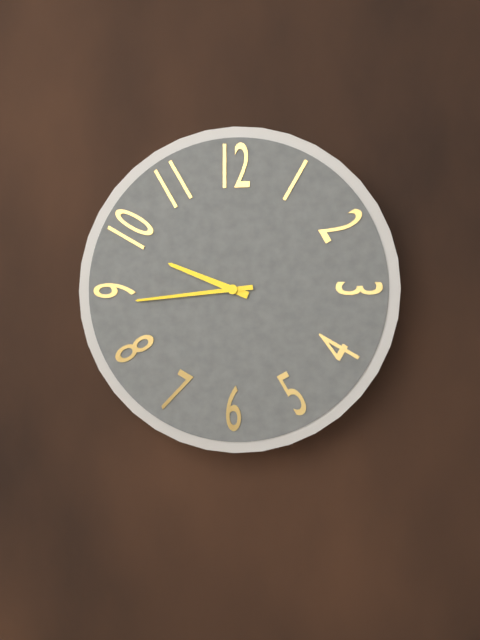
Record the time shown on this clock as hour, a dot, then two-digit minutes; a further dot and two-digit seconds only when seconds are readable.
9.44
